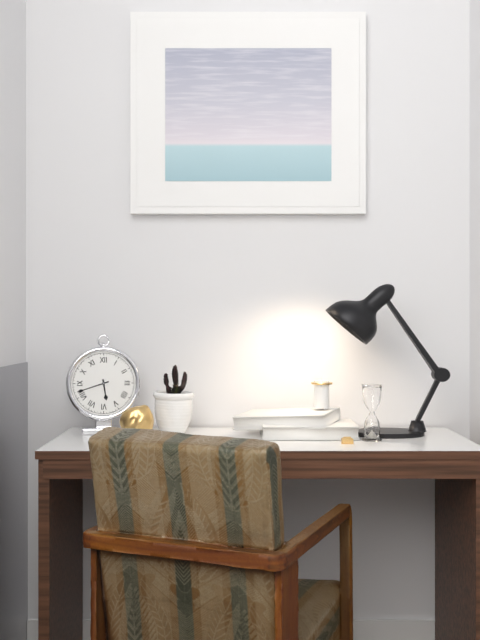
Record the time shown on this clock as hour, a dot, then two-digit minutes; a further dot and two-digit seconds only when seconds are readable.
5.42
